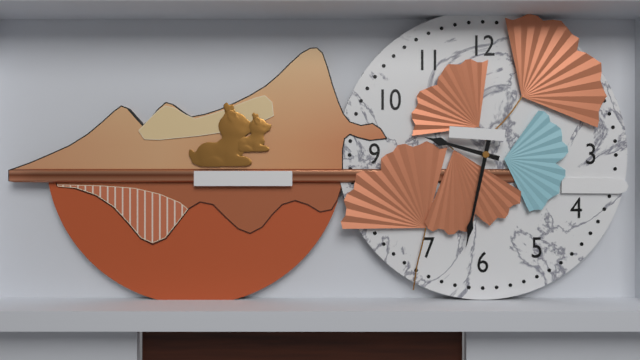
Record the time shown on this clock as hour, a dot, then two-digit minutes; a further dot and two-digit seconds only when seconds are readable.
9.32
